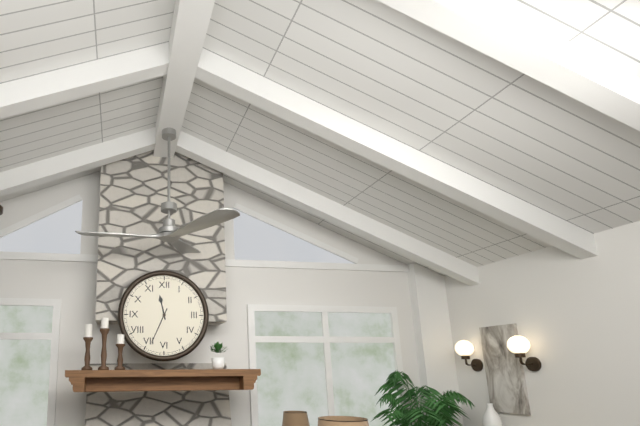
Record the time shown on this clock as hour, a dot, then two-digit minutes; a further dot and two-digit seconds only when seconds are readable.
11.34
